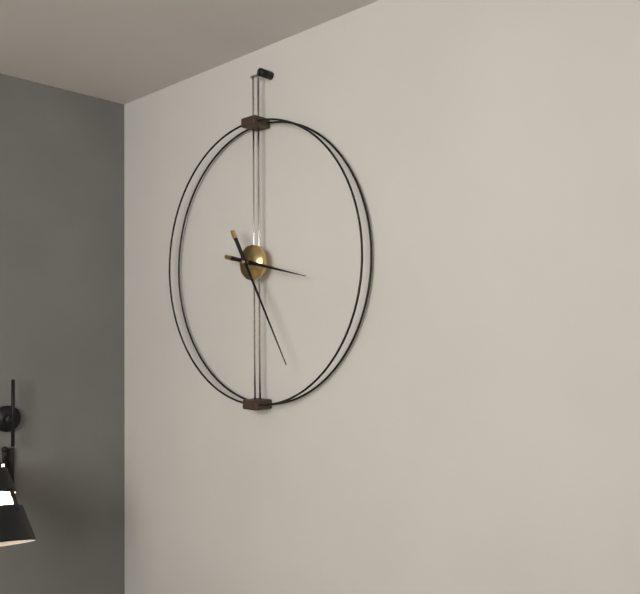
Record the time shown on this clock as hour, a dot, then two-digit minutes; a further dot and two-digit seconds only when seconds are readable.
3.25
